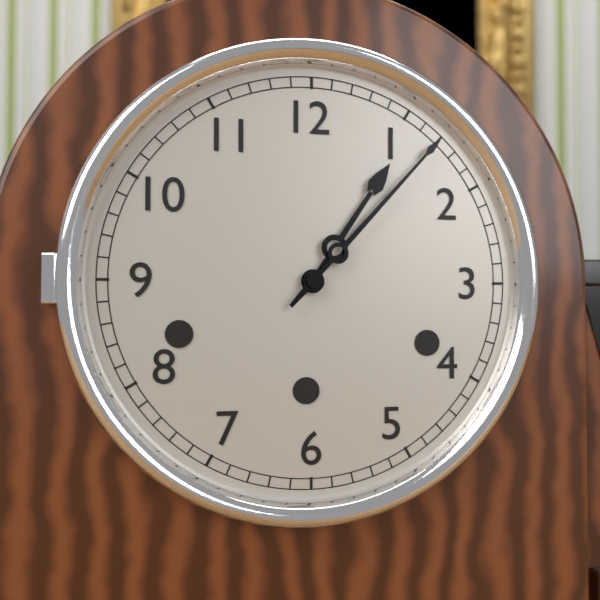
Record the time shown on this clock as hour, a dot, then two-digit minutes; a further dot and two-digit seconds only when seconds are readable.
1.07
